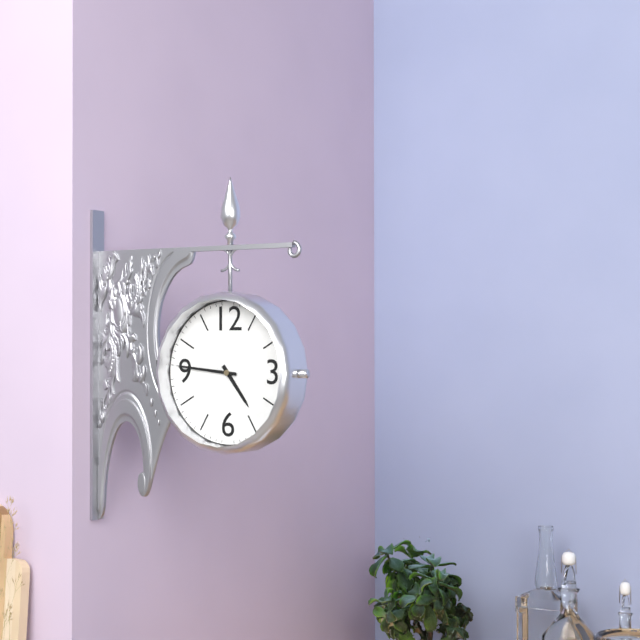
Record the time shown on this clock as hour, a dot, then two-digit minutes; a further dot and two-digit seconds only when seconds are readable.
4.46
